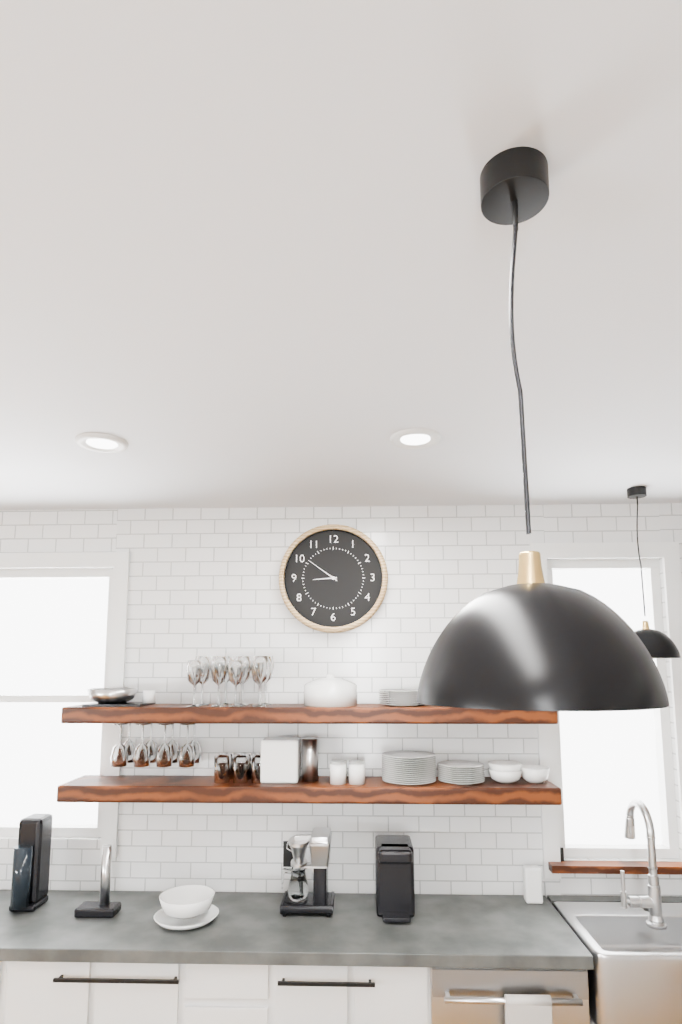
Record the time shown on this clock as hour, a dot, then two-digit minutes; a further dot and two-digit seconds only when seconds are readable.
8.51
